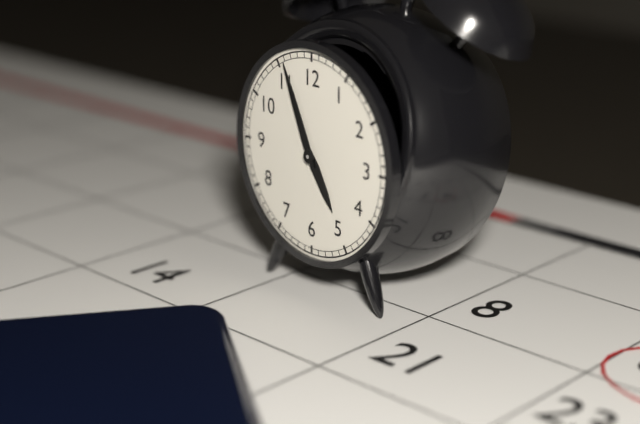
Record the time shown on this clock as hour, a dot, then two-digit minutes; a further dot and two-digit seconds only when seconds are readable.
4.56
